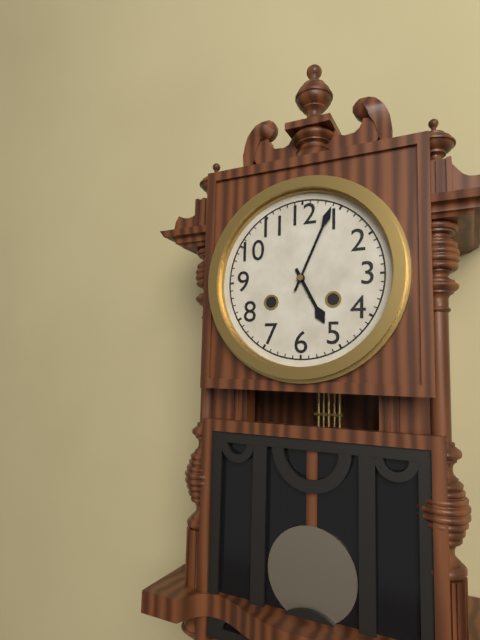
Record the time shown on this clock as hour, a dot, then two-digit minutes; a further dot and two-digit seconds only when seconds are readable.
5.04
